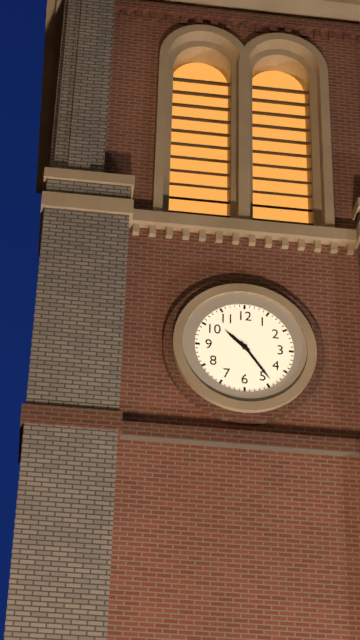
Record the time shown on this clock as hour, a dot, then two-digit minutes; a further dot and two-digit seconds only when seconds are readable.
10.24
